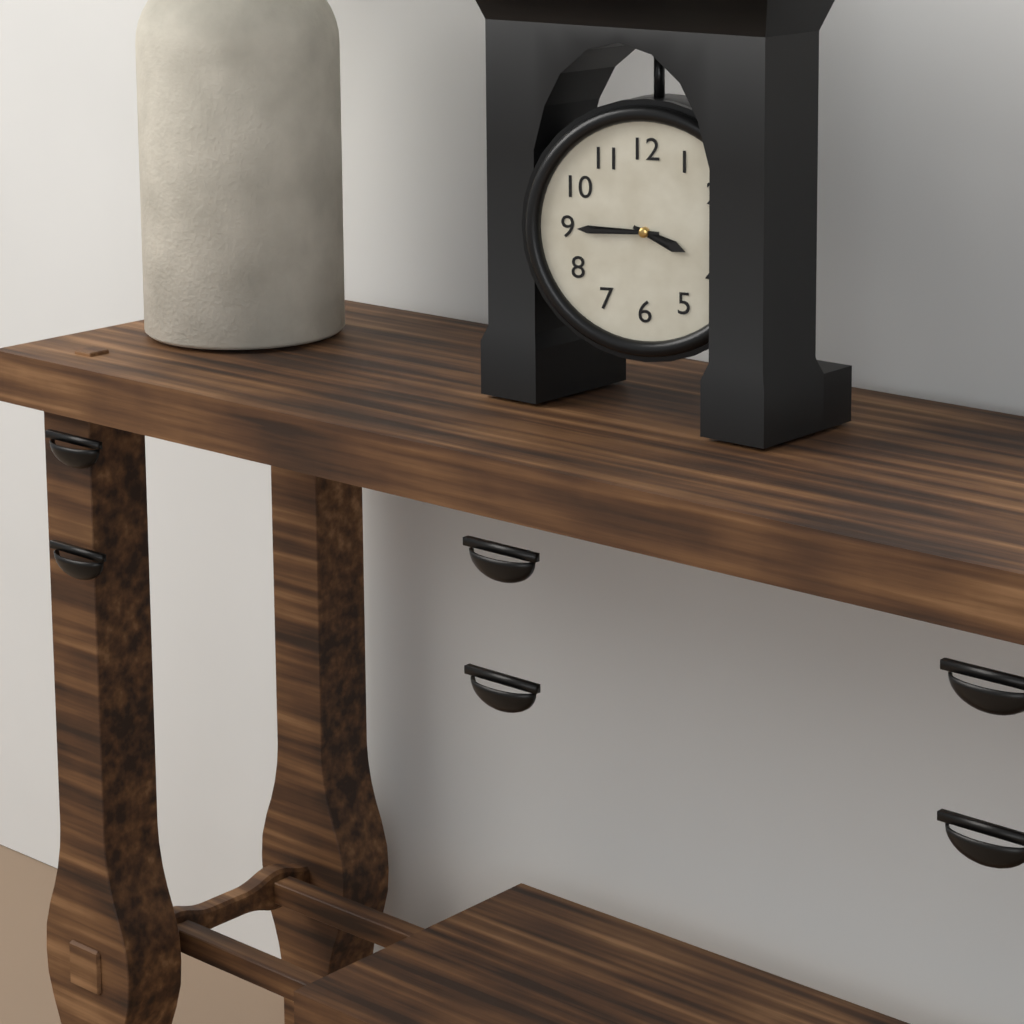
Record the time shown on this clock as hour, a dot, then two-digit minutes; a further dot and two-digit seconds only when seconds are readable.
3.45
